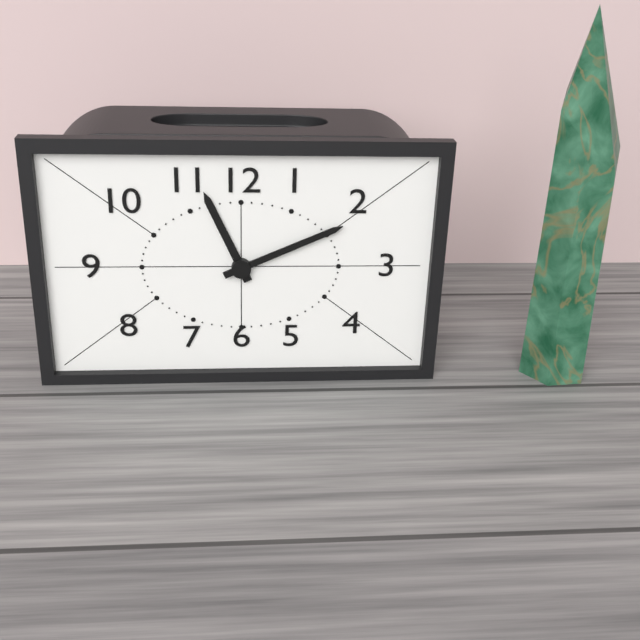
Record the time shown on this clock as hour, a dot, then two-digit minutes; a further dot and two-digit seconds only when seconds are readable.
11.11
